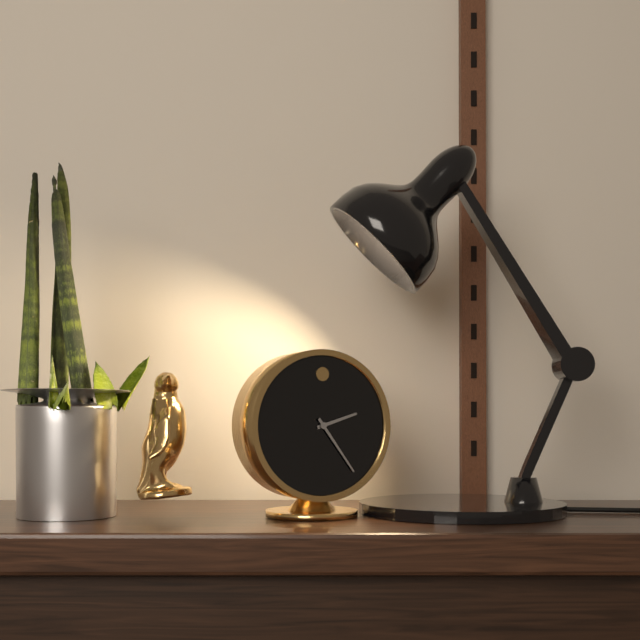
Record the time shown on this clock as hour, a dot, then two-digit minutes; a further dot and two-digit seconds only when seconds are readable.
2.24
